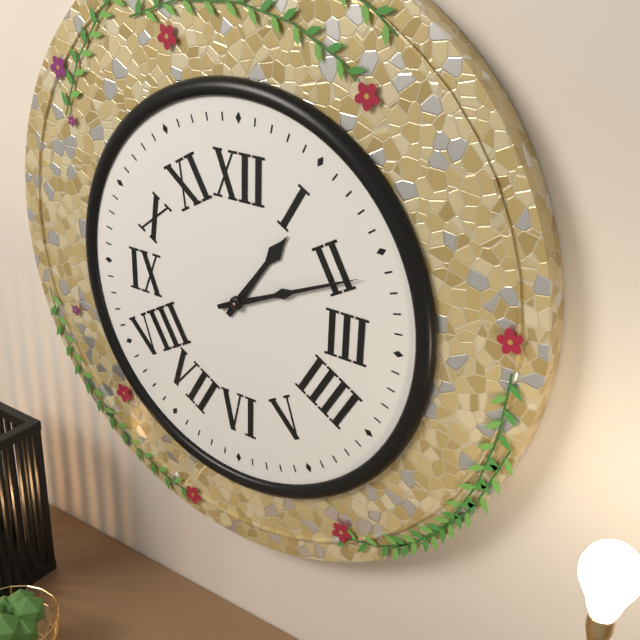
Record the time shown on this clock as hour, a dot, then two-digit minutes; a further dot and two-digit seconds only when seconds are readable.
1.11
